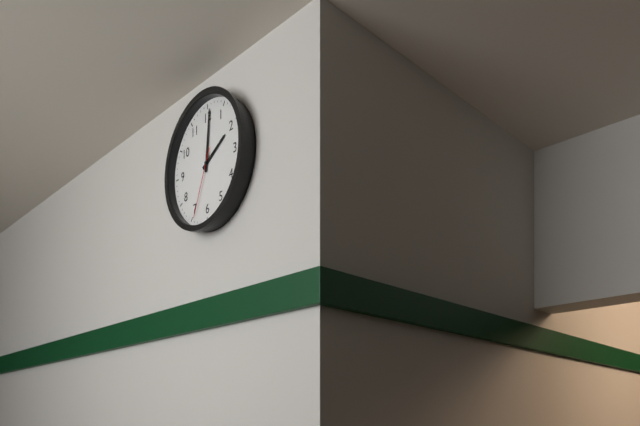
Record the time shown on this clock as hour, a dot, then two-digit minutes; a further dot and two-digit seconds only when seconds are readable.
2.01.34
